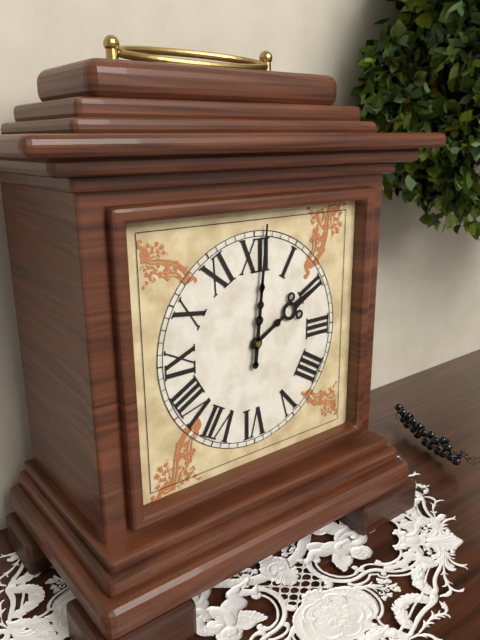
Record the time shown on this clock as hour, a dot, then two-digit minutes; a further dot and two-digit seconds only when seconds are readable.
2.01
